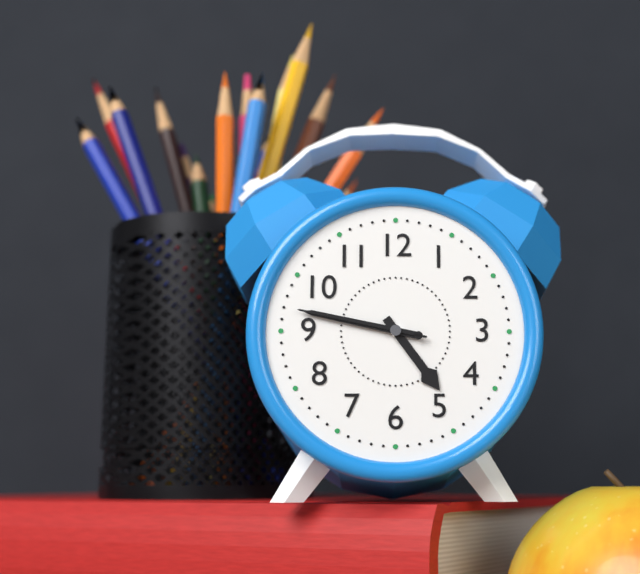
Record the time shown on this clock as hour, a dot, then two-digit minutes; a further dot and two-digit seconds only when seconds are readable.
4.47.47
